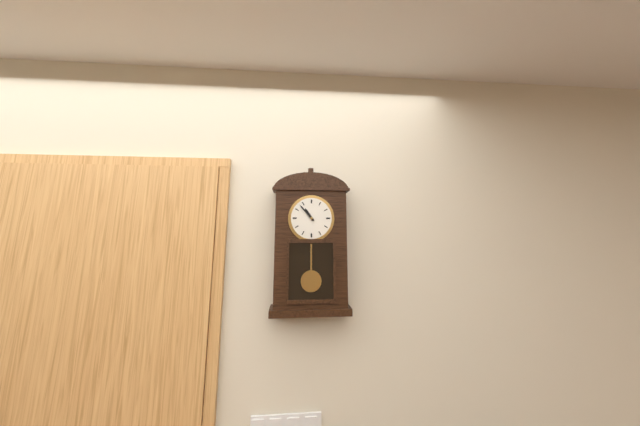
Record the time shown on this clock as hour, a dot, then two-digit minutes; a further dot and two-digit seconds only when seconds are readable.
10.53
